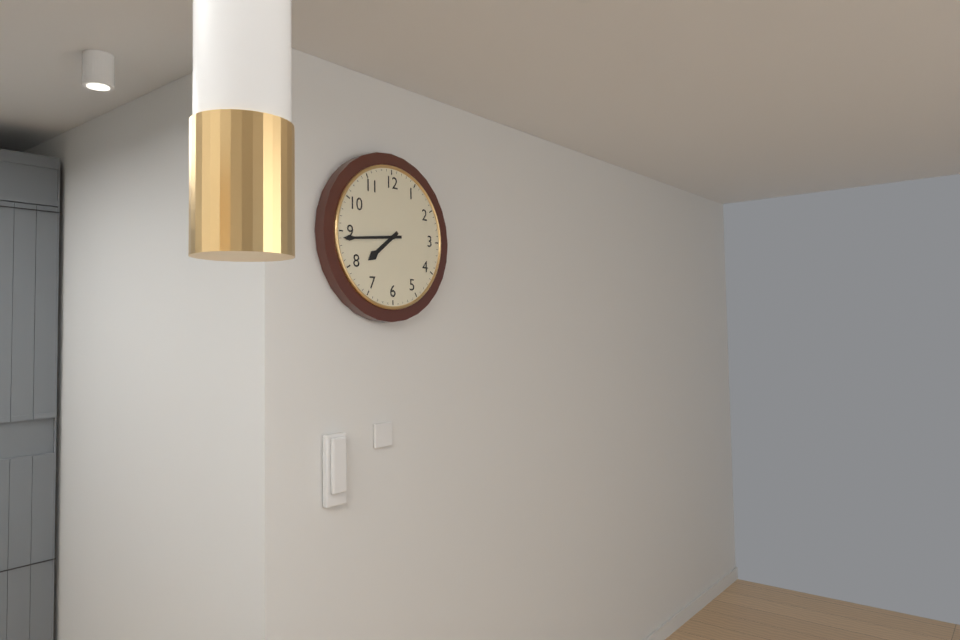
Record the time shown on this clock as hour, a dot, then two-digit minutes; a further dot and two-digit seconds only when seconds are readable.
7.44
